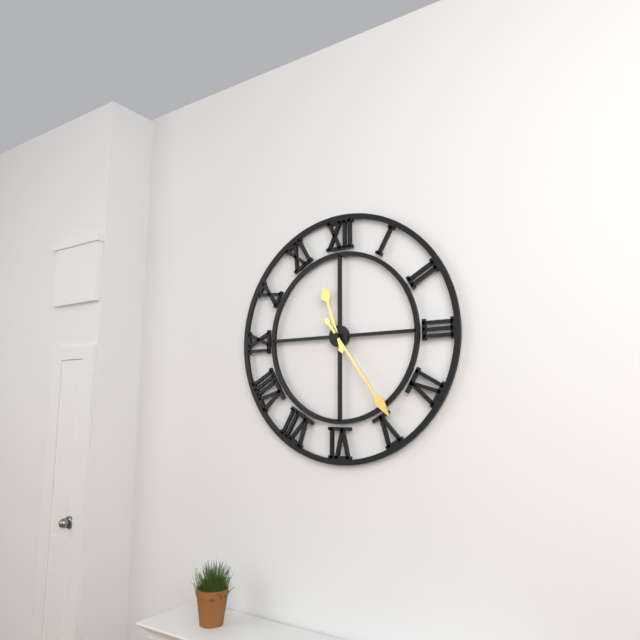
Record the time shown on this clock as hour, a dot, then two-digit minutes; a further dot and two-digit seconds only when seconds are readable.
11.24
